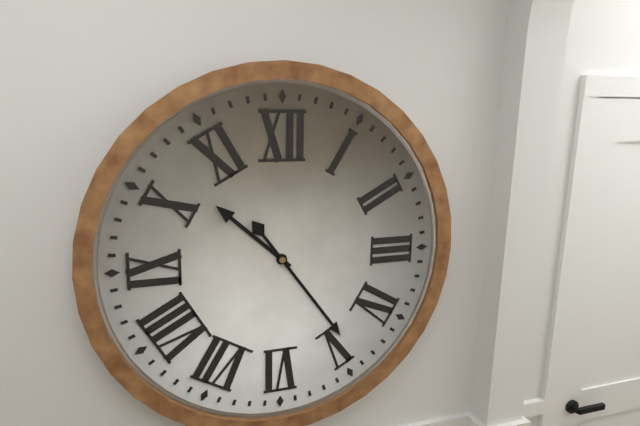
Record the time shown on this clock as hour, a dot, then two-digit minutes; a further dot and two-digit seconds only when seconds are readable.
10.24
